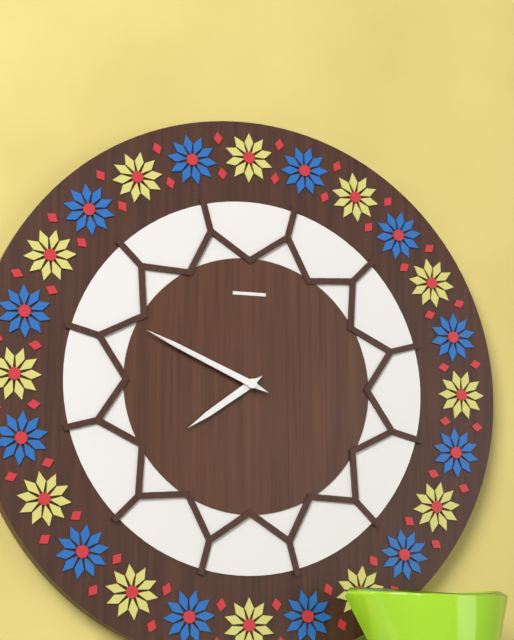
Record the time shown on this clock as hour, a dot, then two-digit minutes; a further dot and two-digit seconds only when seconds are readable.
7.49
